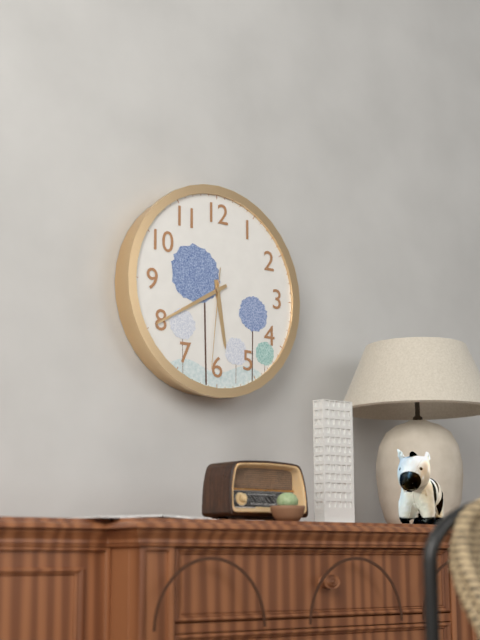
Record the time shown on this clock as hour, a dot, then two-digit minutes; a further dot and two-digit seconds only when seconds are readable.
5.40.31
